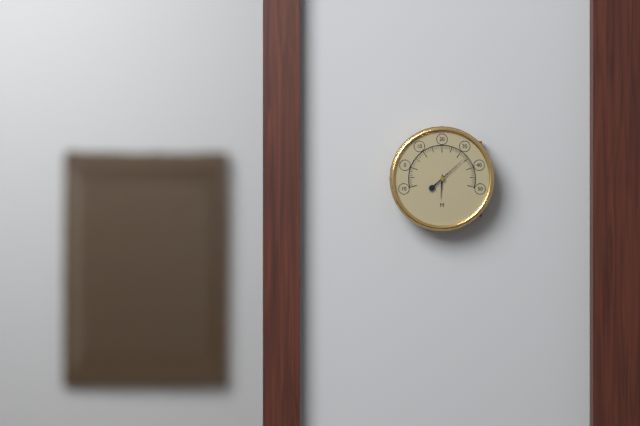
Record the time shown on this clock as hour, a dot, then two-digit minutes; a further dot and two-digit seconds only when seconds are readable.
6.08
